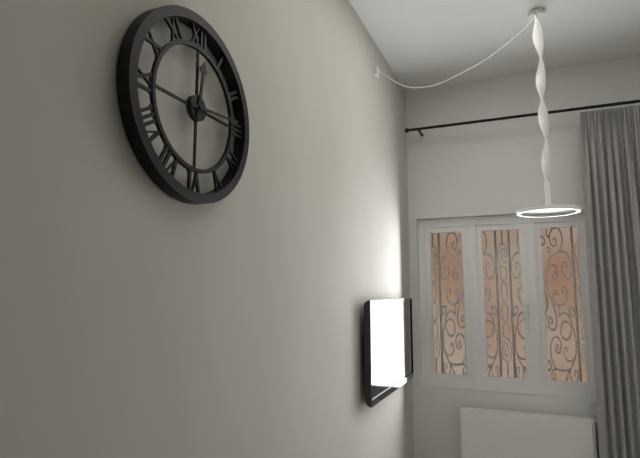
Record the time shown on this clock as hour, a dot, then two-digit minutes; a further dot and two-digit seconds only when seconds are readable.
12.14
